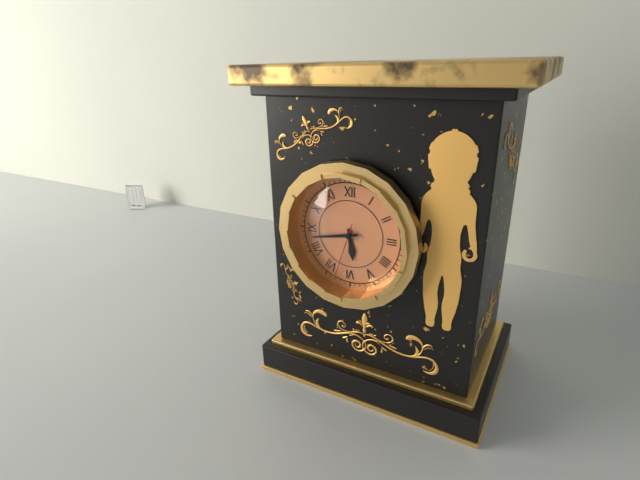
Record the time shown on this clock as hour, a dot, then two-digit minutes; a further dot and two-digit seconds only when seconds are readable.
5.43.33
